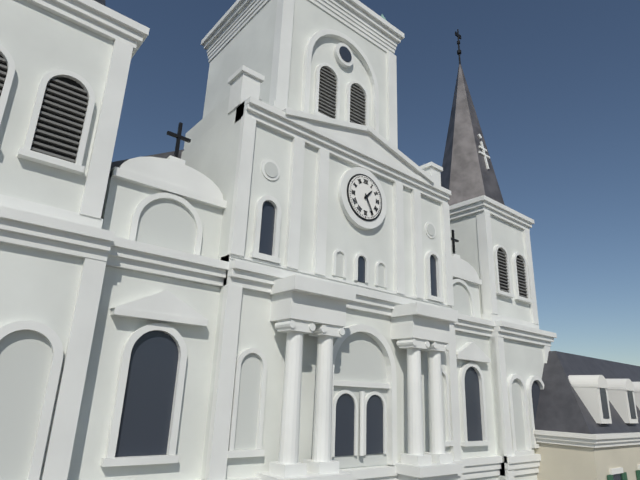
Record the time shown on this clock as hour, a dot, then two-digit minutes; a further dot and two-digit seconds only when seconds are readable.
1.25
